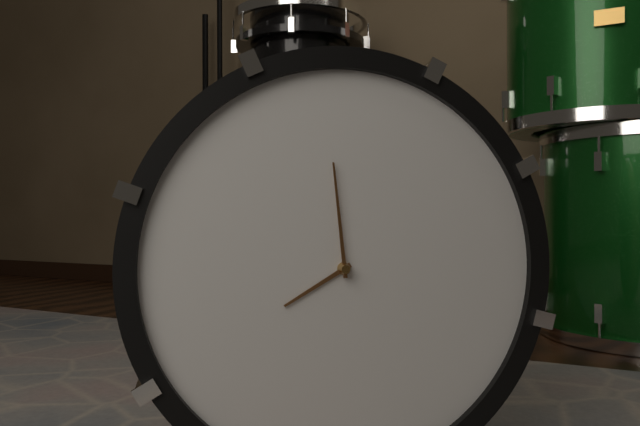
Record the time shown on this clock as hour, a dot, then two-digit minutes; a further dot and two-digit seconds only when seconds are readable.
7.59
